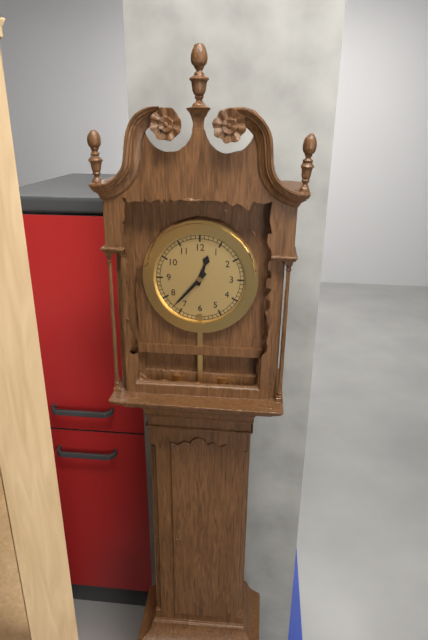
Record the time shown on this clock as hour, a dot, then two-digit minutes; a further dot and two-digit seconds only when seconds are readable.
12.37
